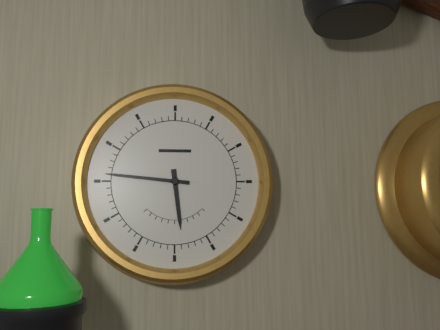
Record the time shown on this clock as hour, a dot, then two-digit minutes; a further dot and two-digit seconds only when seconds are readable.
5.46
